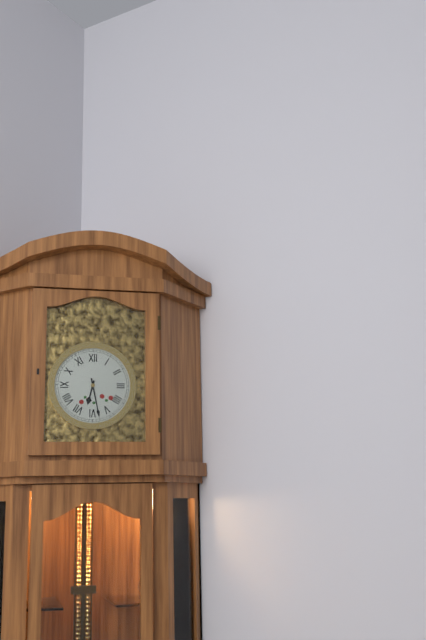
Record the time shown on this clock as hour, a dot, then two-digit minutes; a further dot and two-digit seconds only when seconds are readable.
6.28
